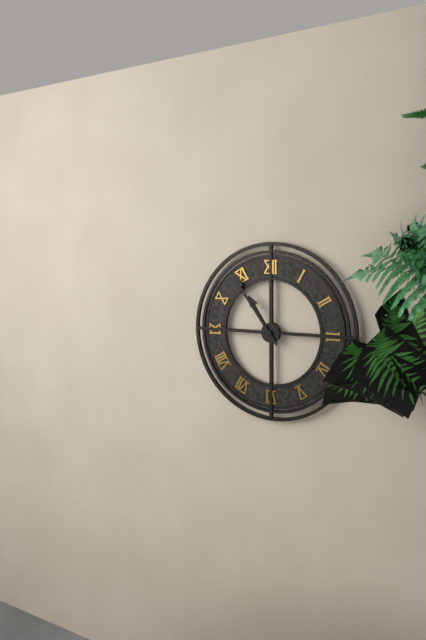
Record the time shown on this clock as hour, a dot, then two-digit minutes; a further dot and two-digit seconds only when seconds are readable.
10.54
